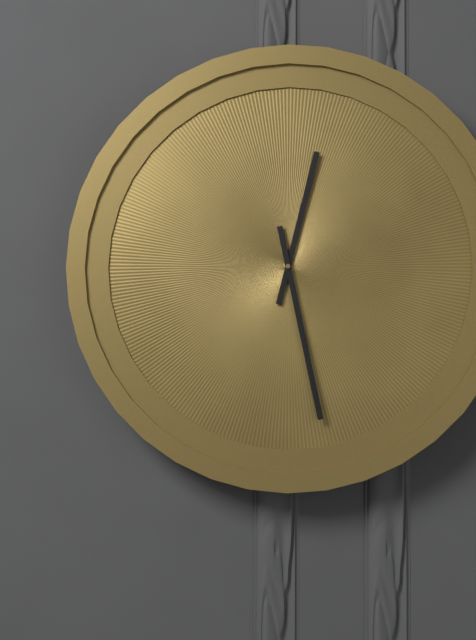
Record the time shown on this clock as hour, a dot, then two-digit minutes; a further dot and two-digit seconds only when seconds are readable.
12.28
